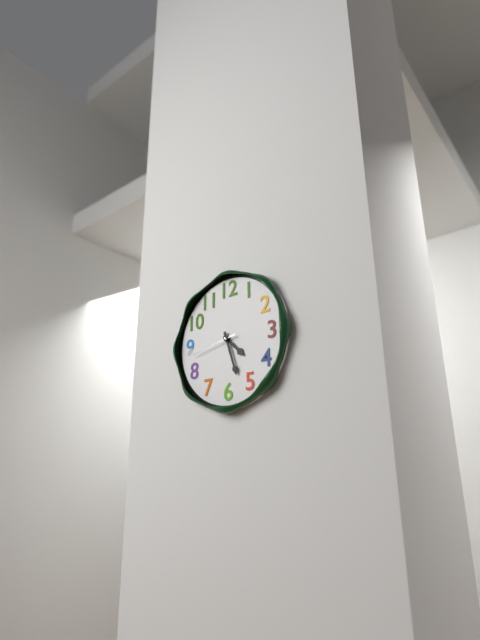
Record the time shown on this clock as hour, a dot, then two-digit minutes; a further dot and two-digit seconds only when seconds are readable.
4.27
